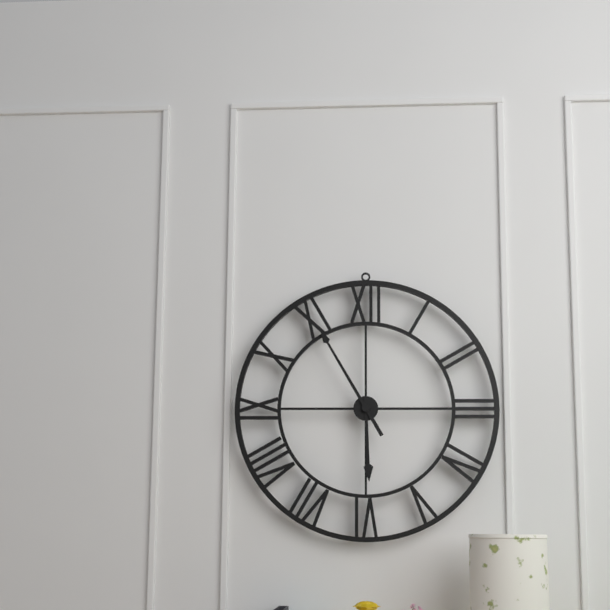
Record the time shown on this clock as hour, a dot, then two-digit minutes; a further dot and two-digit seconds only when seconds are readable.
5.55
